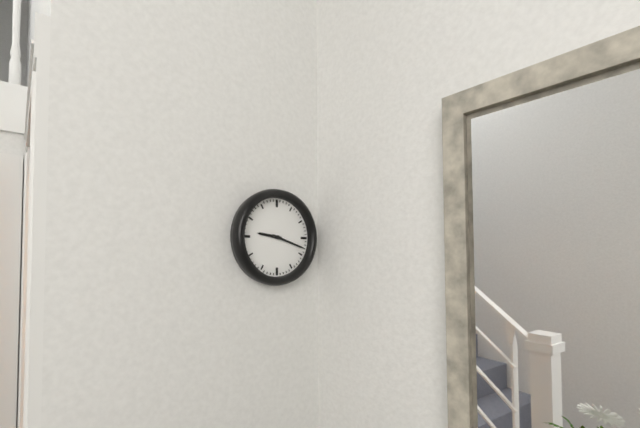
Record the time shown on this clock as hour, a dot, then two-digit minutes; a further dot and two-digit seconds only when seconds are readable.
9.18
